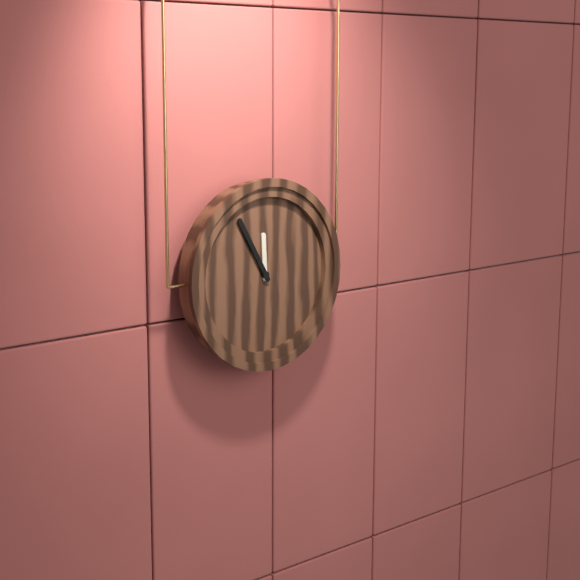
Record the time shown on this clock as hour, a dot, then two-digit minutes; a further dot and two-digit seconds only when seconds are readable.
11.55
